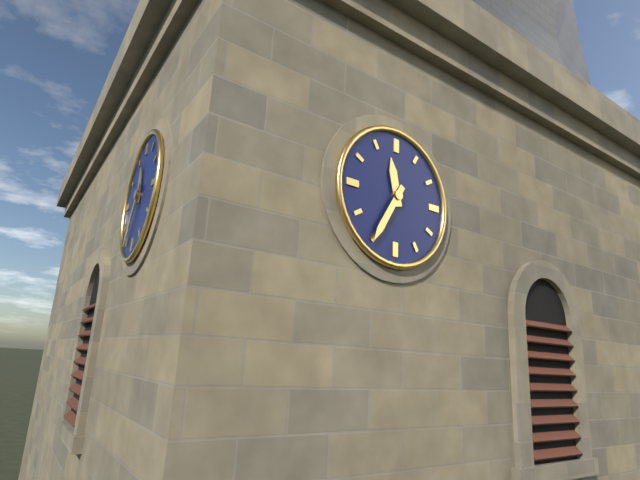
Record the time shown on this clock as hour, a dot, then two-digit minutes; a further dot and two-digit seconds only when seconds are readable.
11.35
